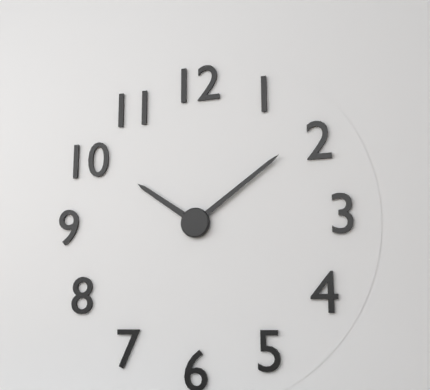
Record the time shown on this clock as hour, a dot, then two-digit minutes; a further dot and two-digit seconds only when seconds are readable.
10.09
